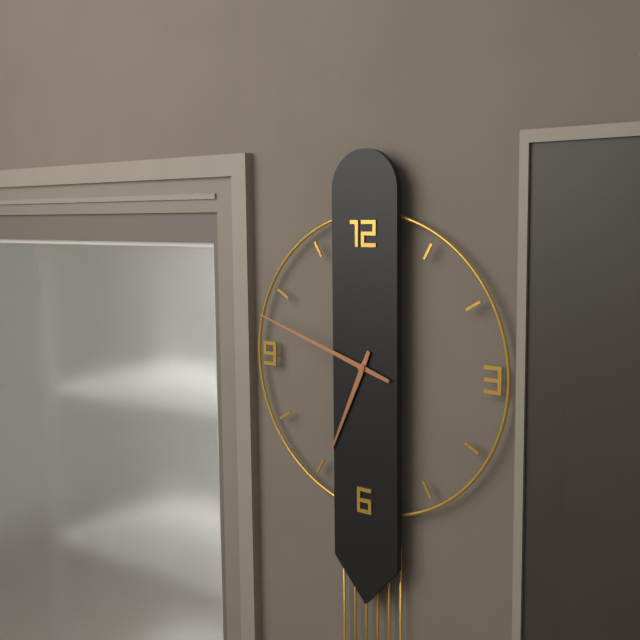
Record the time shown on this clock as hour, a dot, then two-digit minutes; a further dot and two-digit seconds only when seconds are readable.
6.48
